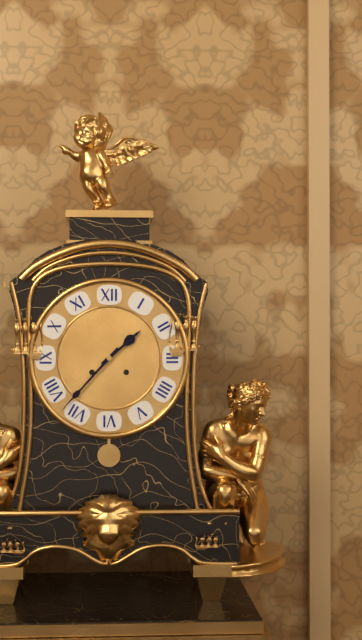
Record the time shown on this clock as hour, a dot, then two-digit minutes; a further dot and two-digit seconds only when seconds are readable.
1.37
